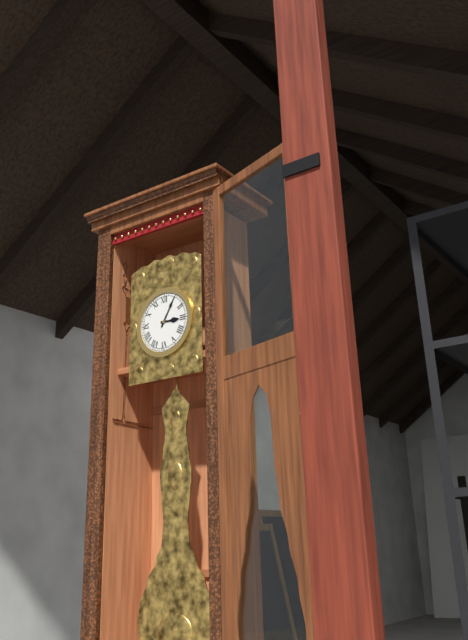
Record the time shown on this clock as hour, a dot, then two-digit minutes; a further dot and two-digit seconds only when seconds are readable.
3.05
